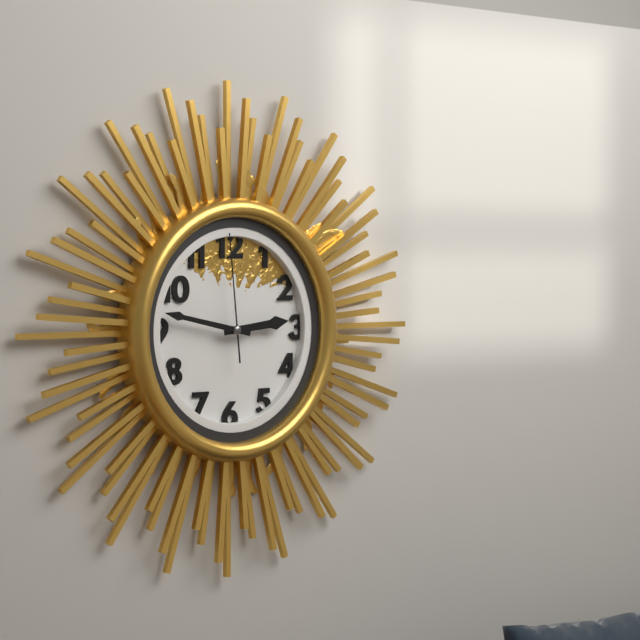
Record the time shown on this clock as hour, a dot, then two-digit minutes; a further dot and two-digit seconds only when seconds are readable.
2.47.59
